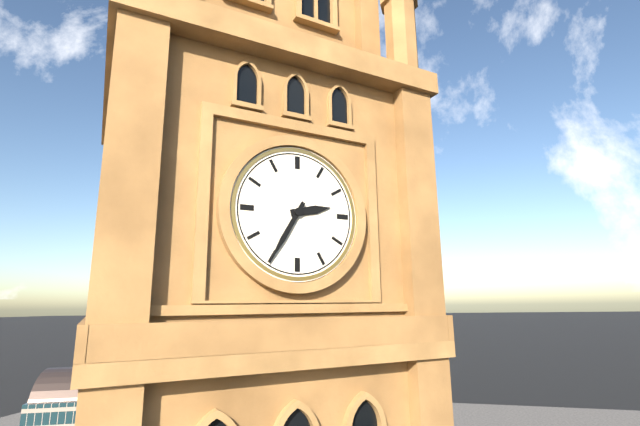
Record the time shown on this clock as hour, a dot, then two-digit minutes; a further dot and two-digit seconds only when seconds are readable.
2.35
